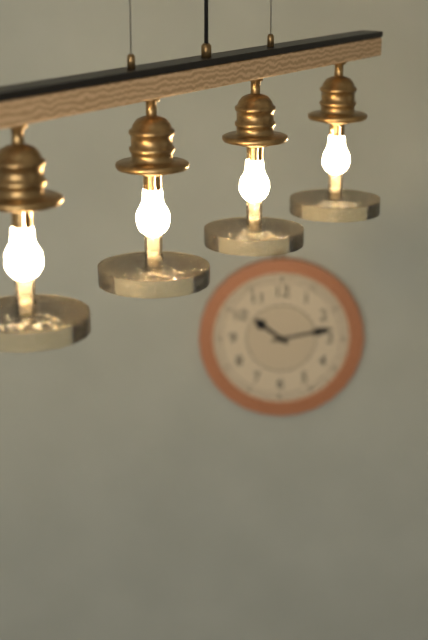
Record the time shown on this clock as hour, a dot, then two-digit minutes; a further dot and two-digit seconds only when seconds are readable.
10.13
